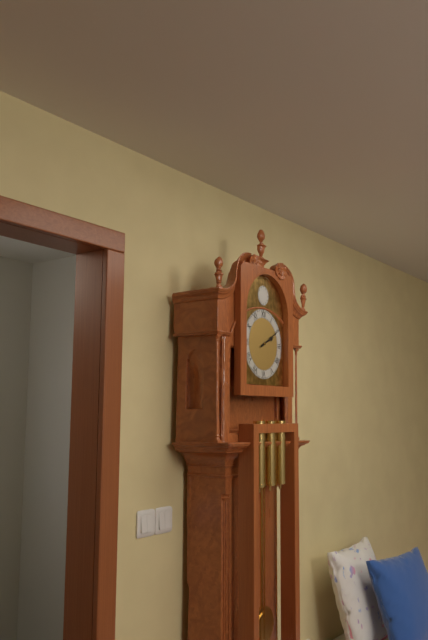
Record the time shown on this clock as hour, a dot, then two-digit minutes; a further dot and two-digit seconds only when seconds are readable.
2.10
